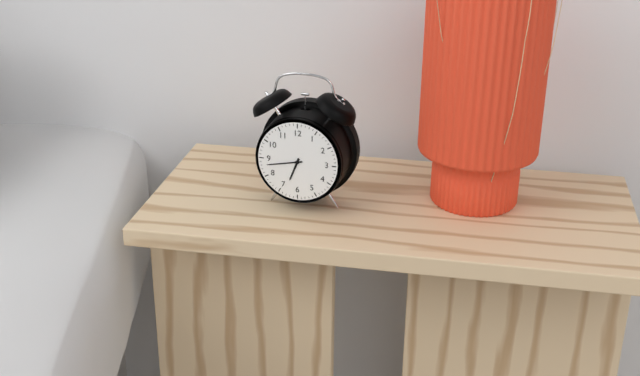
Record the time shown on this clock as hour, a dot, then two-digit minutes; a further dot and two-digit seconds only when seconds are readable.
6.43
